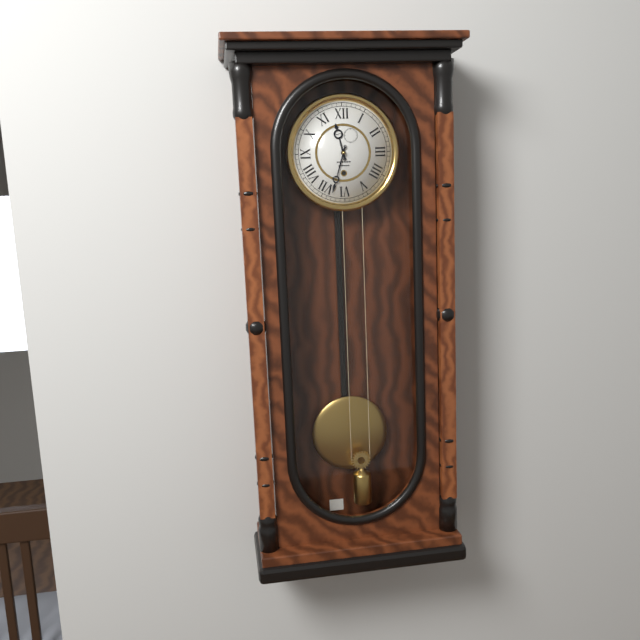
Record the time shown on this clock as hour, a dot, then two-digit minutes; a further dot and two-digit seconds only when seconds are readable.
11.33
